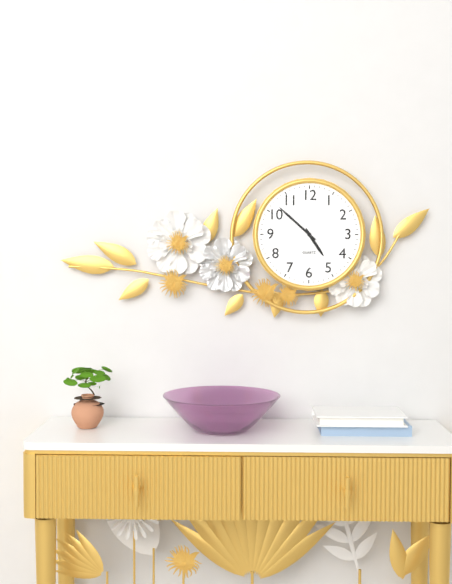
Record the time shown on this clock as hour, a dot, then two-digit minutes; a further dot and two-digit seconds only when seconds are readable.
4.52
